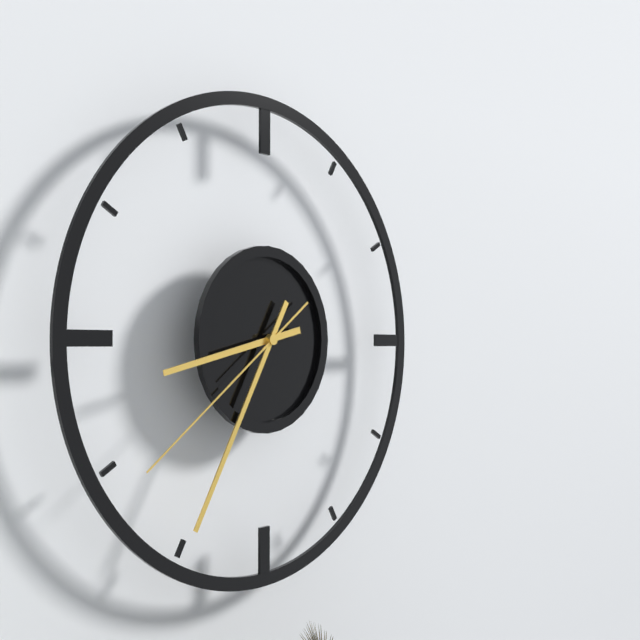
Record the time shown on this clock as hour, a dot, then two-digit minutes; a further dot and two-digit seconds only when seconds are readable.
8.35.39
